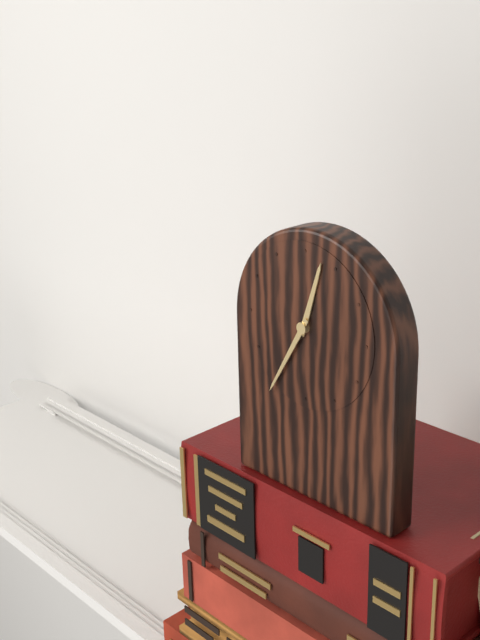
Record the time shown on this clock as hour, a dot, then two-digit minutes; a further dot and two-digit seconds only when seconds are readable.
12.35
